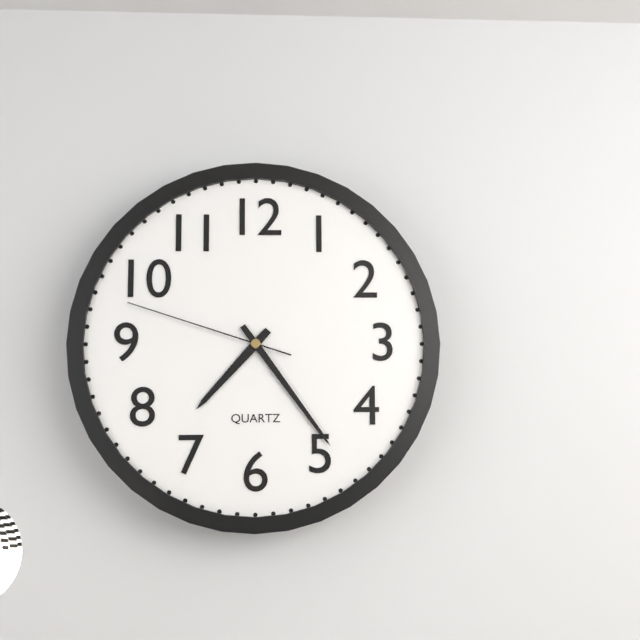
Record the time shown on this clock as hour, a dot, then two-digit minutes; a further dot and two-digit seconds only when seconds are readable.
7.24.48
